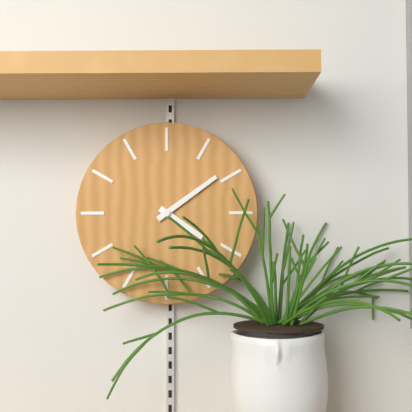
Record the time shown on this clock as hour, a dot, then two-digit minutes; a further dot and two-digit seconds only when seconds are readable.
4.09
